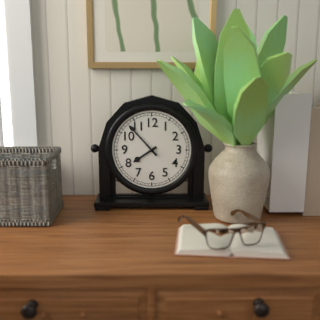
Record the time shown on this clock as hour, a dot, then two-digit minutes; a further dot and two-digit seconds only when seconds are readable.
7.53
